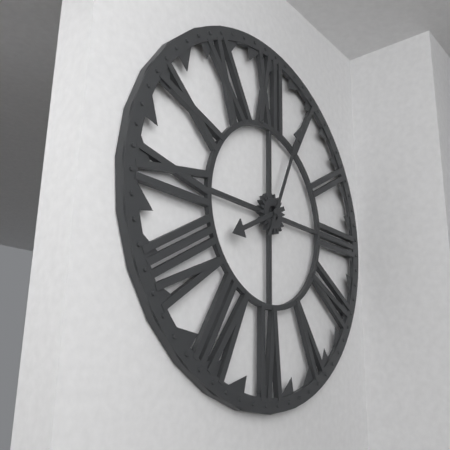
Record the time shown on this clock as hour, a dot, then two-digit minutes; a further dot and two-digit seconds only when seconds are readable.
8.04
